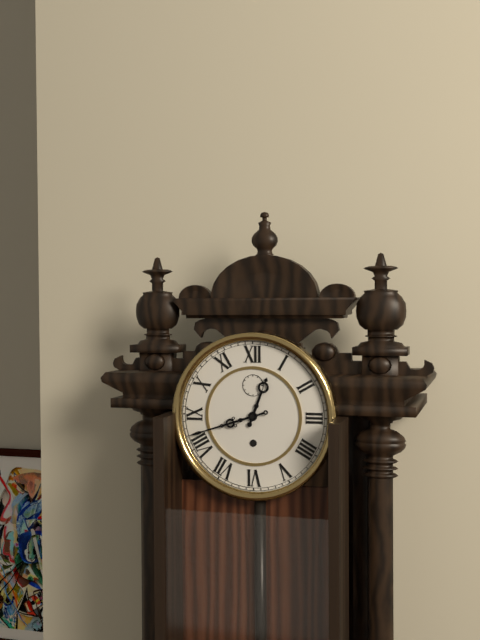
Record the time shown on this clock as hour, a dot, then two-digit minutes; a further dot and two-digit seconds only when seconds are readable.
12.42
